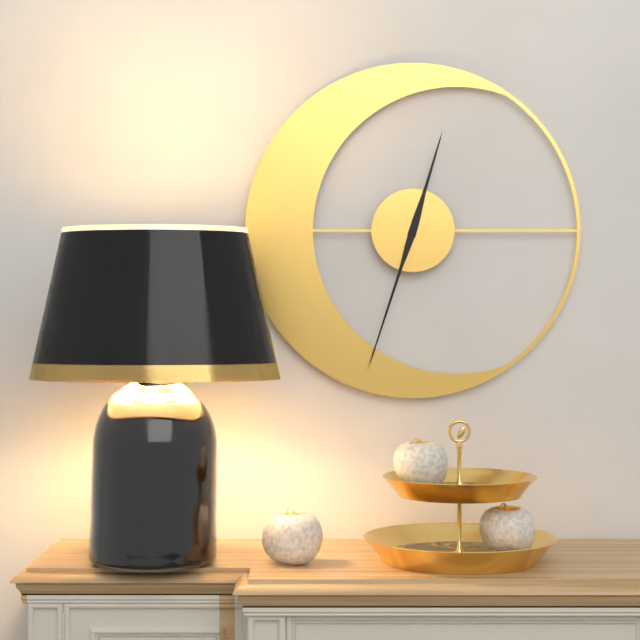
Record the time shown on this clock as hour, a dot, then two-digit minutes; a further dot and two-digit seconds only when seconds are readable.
12.33
